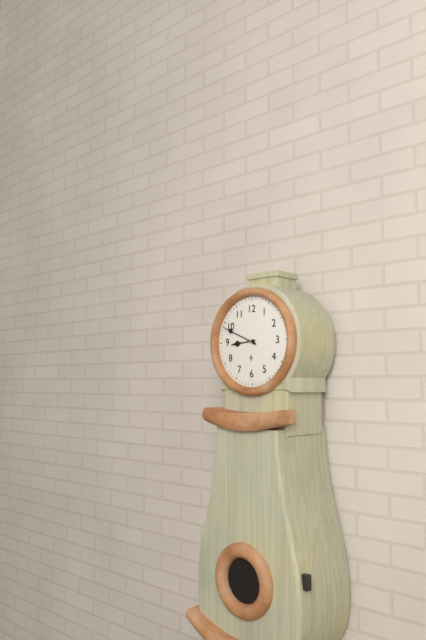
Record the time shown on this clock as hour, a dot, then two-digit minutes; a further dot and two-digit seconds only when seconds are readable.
8.49
